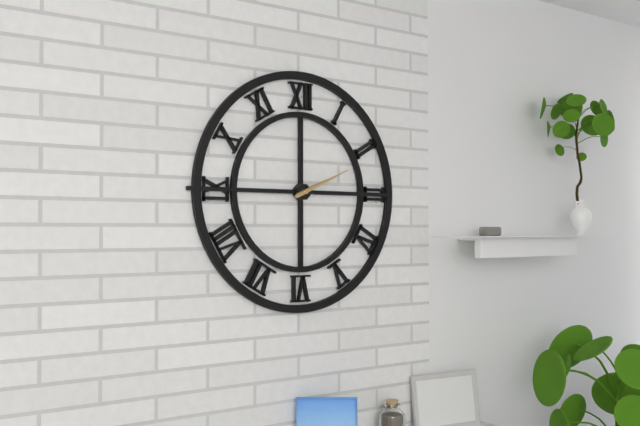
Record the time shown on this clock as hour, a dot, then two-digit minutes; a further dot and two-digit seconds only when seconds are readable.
2.11
